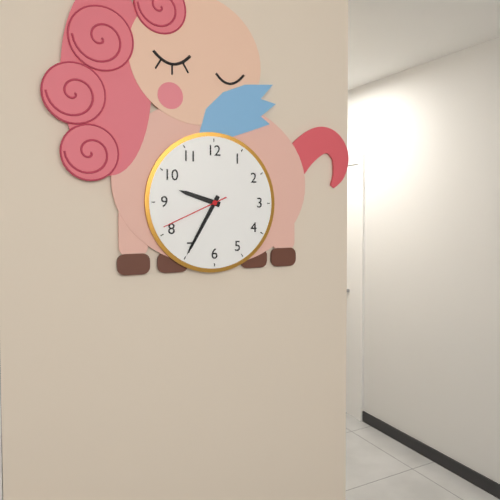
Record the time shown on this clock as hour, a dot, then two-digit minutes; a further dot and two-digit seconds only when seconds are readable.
9.35.41
